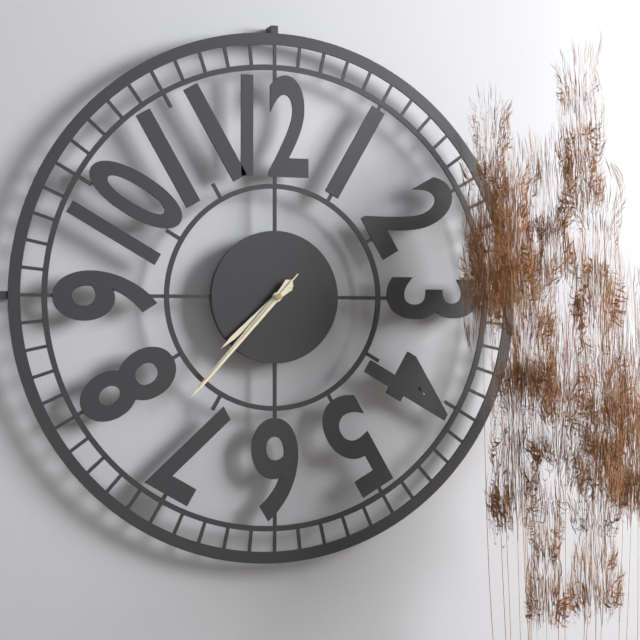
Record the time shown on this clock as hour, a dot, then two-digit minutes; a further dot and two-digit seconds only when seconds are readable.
7.37.37
